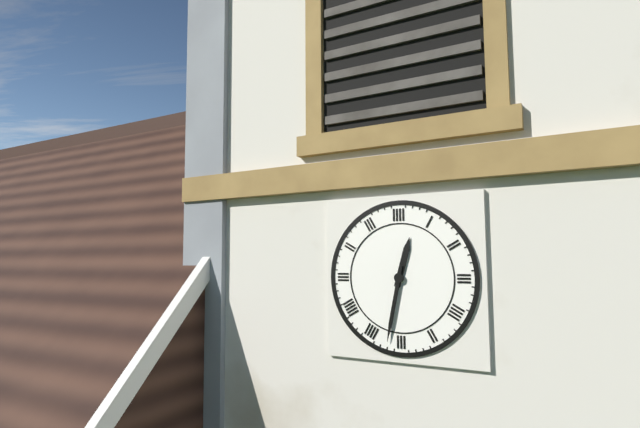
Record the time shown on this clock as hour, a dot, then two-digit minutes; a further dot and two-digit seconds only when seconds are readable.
12.32
